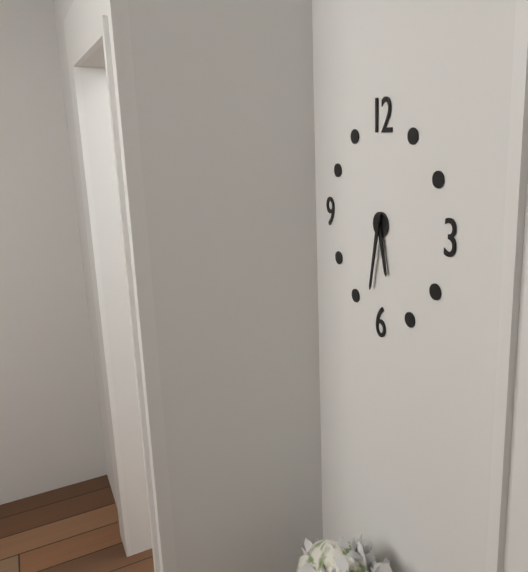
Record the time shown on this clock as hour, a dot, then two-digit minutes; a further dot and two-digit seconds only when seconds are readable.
5.32
